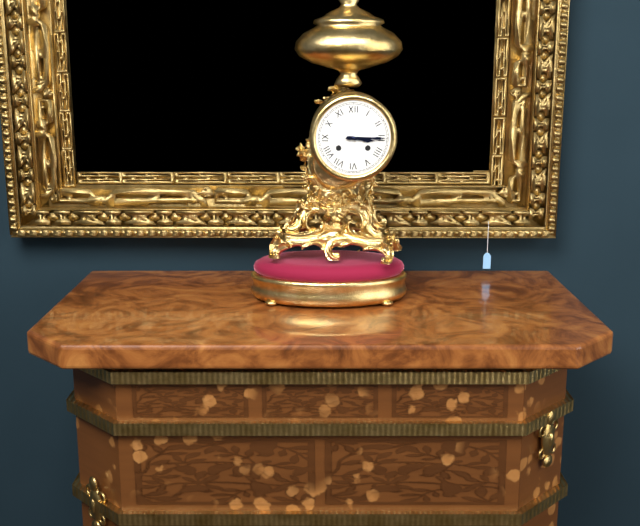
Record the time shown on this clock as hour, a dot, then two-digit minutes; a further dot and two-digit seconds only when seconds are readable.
3.15
